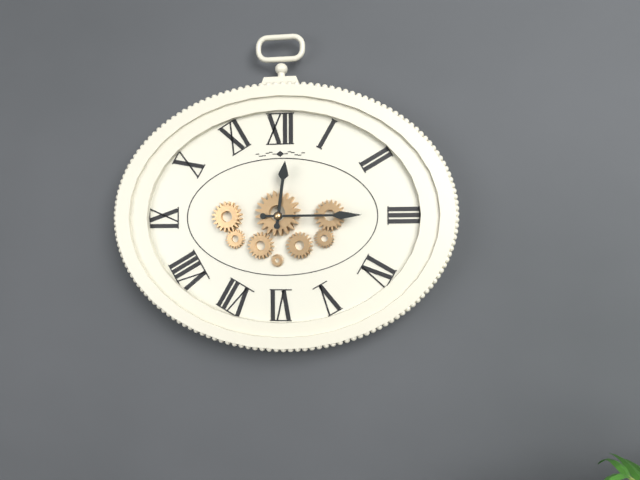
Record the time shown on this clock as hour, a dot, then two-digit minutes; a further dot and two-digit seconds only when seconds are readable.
12.15
